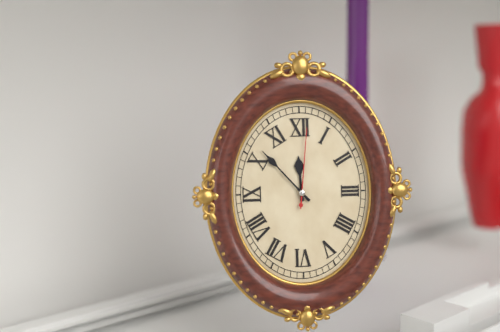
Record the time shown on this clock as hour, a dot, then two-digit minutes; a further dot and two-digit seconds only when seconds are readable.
11.53.01
